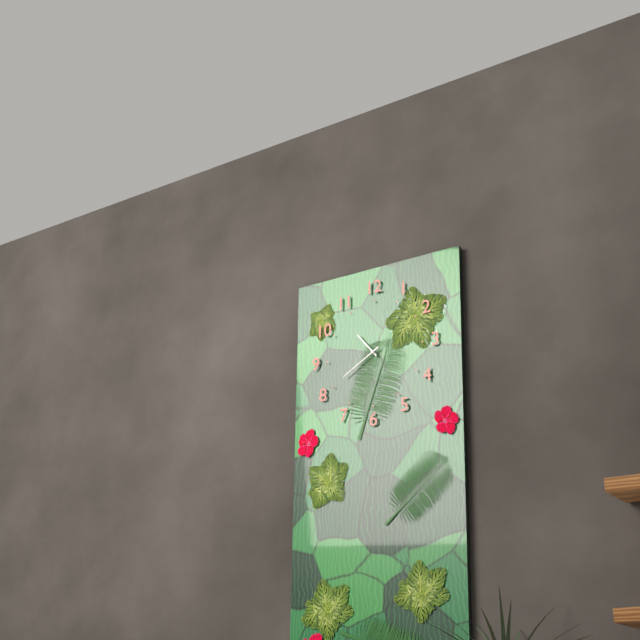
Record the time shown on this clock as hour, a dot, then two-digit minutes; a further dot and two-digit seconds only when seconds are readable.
10.40
